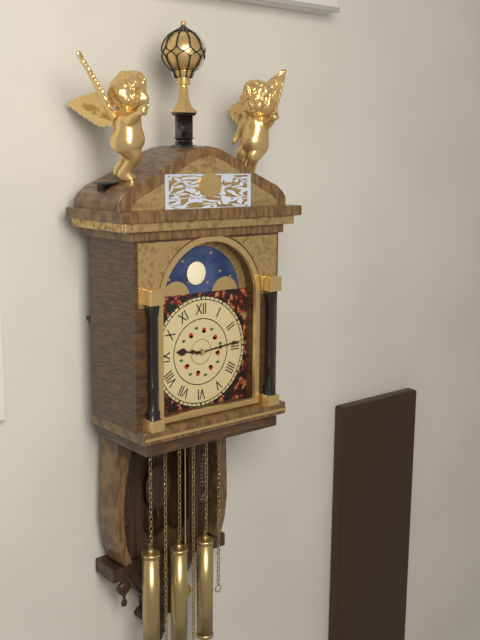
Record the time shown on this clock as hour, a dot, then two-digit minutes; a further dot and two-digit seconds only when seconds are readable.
9.14
